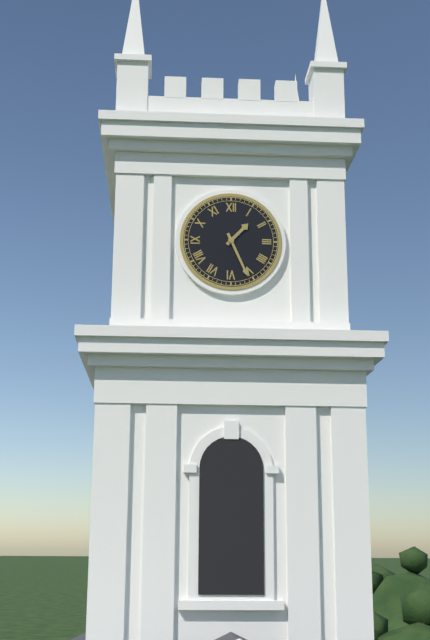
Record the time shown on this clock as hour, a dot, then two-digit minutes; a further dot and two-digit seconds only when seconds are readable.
1.26
